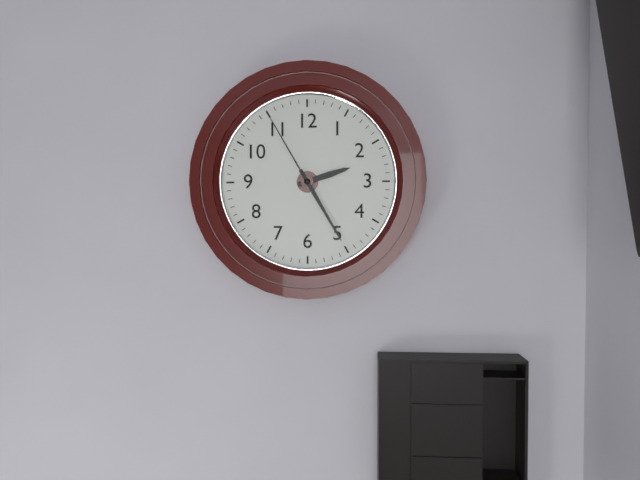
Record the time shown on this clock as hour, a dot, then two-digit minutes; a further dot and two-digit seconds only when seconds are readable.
2.25.55
